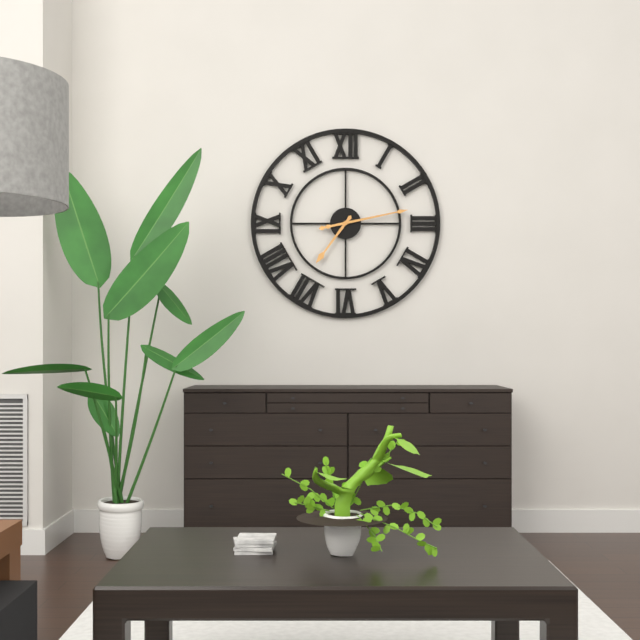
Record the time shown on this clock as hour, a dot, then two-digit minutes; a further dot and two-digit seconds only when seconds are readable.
7.13
